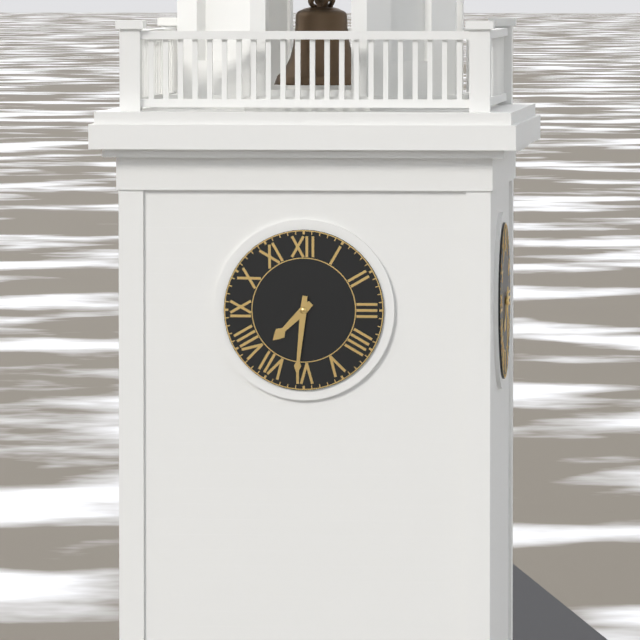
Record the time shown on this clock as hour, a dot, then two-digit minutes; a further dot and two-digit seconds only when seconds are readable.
7.31
